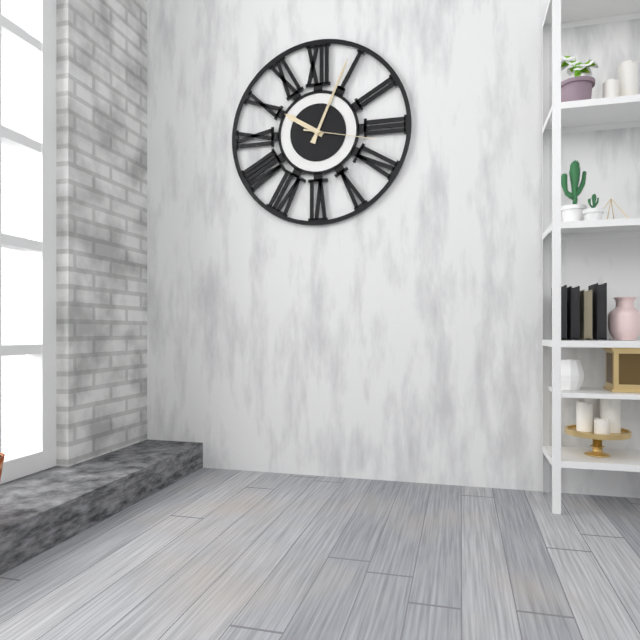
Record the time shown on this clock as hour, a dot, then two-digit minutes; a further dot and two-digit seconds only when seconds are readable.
10.04.17
